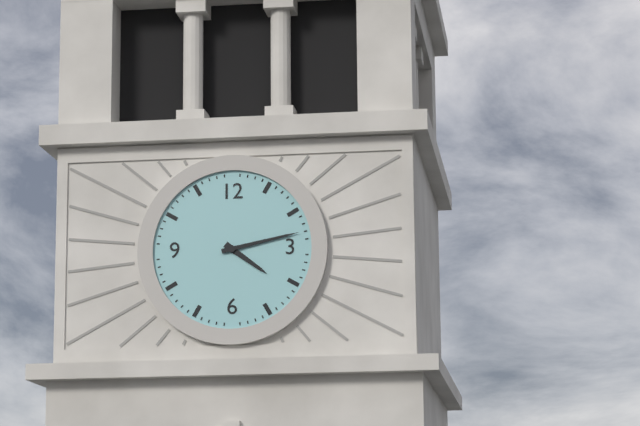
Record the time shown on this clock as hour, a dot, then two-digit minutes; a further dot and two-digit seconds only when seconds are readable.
4.13
